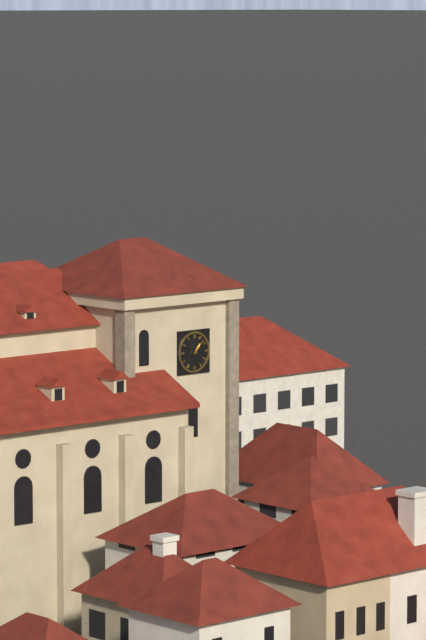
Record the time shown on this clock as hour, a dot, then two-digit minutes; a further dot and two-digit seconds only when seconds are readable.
1.07
